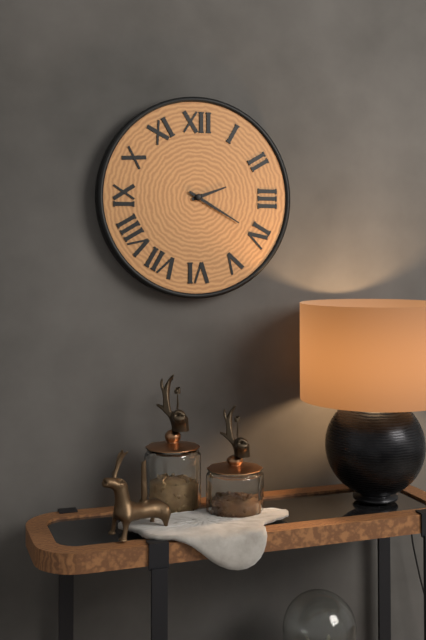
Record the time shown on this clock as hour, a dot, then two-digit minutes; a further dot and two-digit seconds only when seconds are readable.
2.20
